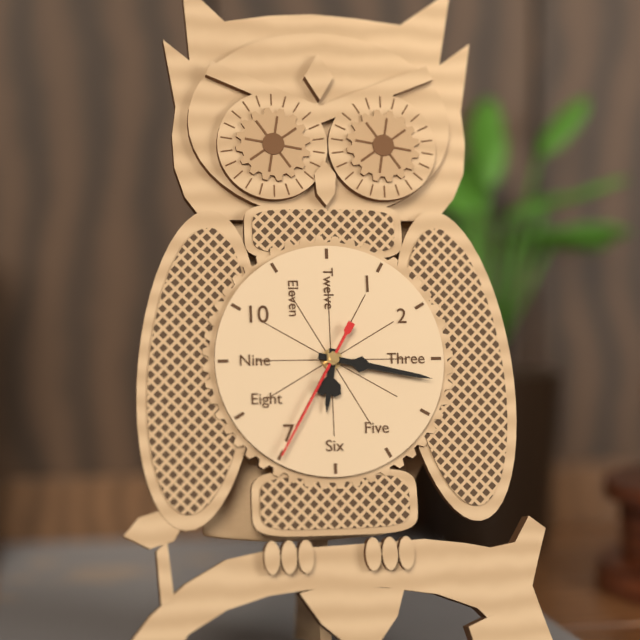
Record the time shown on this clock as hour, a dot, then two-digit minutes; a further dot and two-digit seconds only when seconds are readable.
6.17.35
